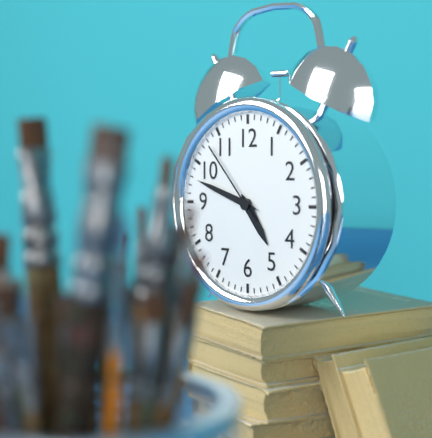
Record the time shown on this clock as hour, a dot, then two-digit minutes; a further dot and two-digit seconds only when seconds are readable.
4.48.53
